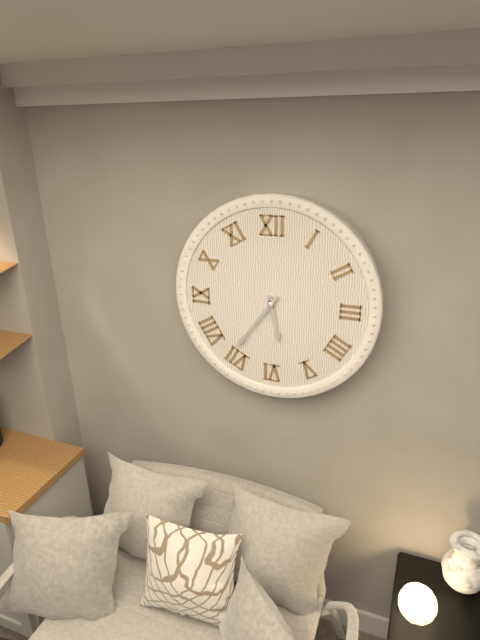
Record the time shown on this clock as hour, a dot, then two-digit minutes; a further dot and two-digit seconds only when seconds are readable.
5.36
